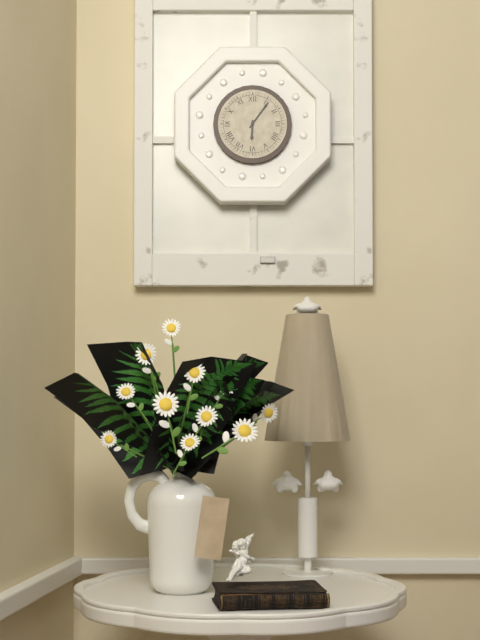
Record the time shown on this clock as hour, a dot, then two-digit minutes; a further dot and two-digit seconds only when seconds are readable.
6.06
